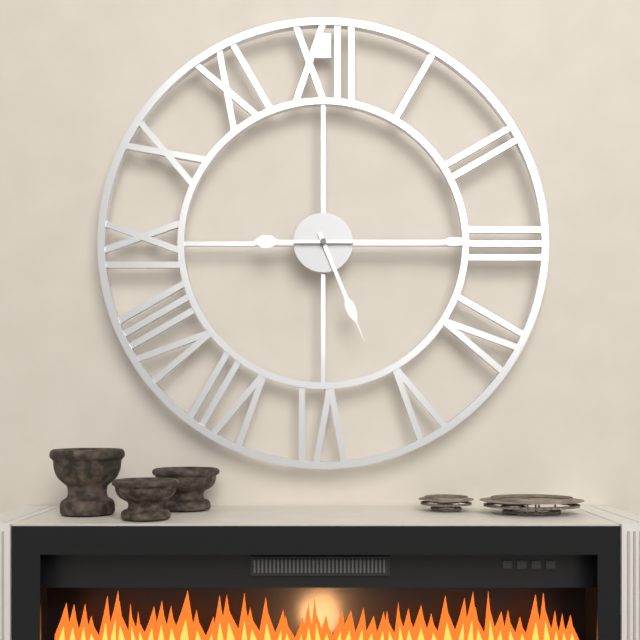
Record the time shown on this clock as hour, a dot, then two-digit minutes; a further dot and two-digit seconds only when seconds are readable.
5.15
